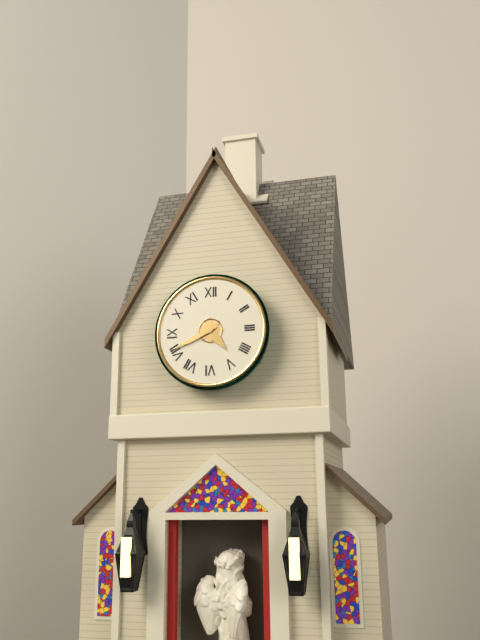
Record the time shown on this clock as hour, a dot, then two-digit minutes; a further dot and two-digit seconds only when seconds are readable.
4.41
